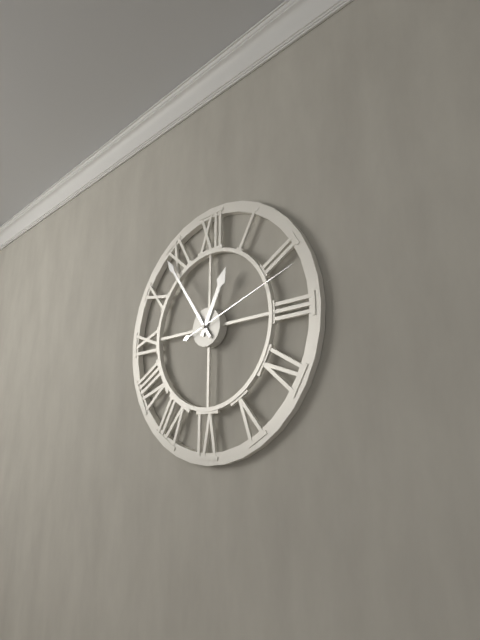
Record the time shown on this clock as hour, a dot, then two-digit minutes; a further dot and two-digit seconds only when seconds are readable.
12.54.12
